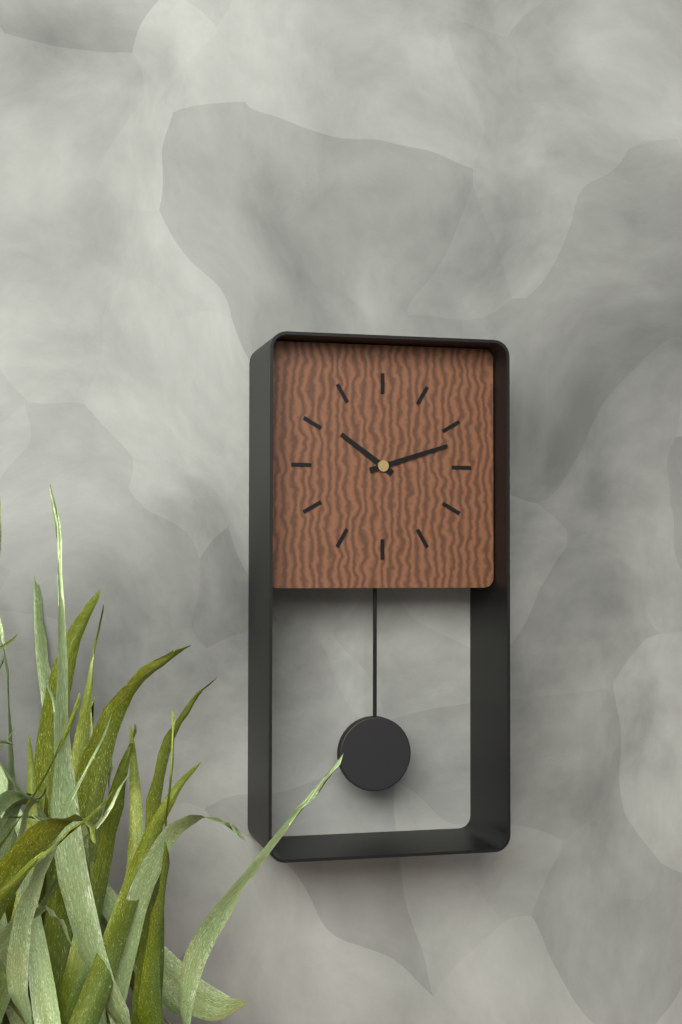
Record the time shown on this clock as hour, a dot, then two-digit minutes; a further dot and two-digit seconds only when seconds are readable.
10.12
